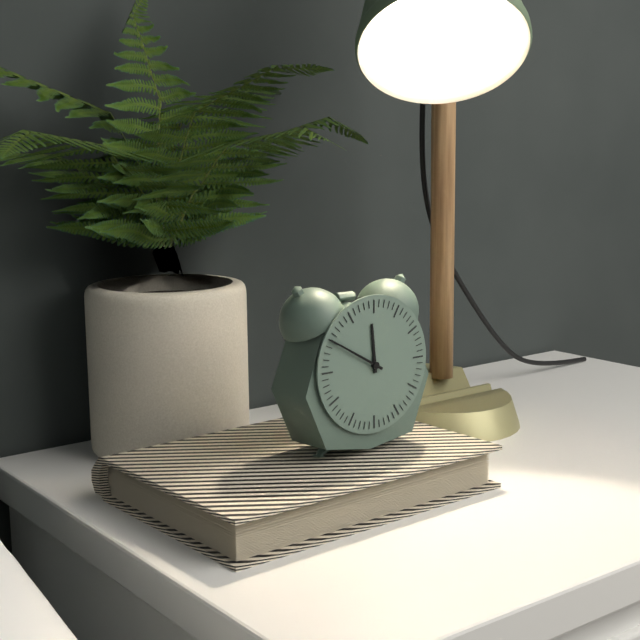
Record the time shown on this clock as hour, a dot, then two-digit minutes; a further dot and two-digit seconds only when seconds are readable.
11.50
